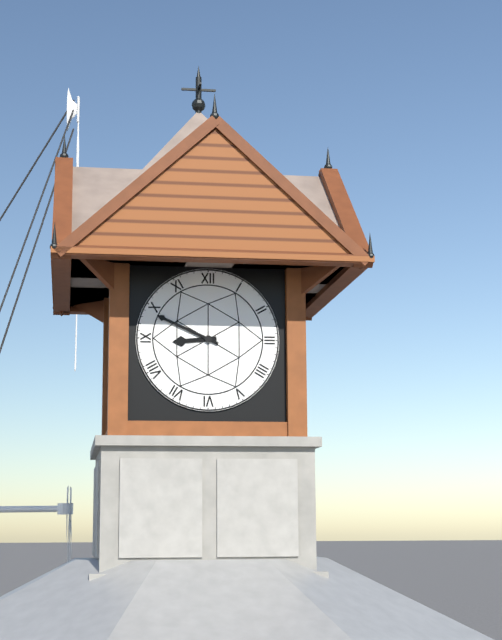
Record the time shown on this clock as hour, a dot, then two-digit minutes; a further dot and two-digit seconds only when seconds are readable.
8.49
